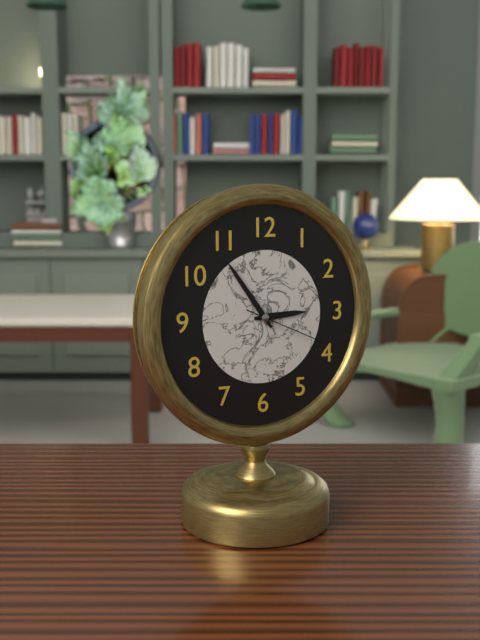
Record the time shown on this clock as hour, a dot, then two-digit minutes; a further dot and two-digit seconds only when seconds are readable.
2.54.19
